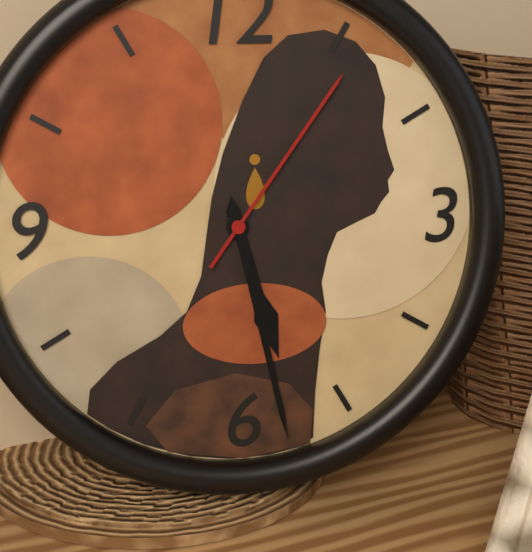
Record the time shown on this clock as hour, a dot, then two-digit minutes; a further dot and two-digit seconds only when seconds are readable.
5.28.06
